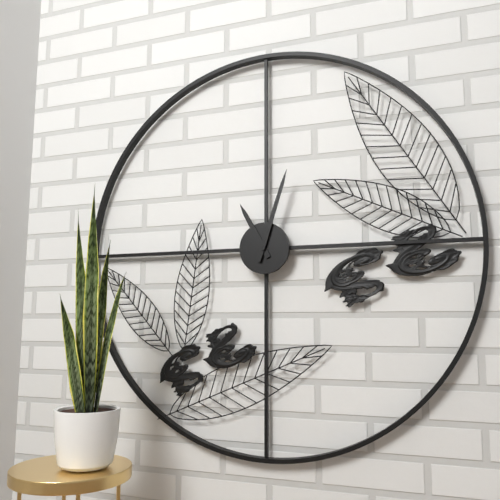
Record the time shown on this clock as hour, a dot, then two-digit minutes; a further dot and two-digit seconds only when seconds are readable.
11.03
